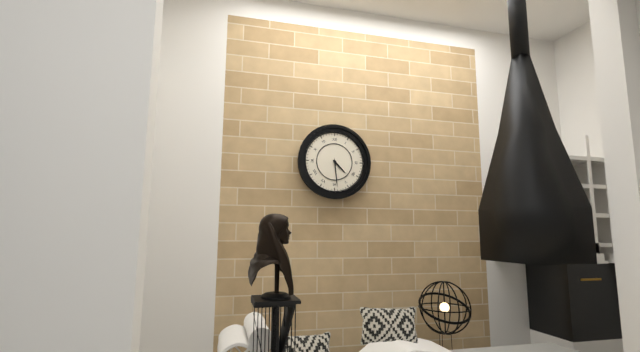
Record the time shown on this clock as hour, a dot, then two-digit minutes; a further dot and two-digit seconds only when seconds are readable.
4.29
